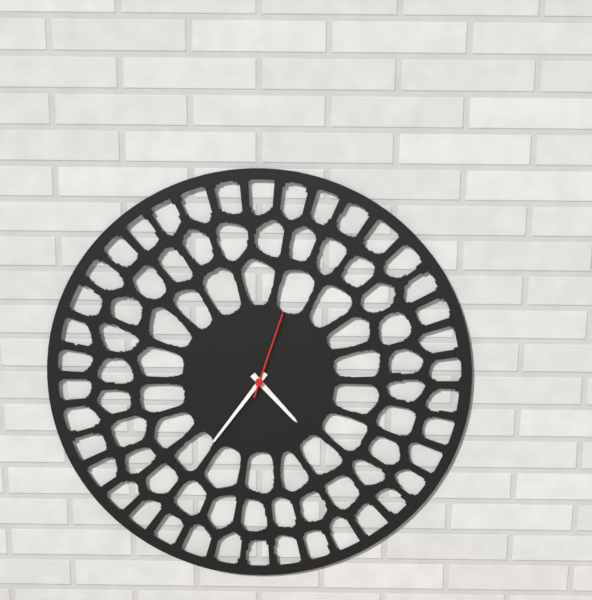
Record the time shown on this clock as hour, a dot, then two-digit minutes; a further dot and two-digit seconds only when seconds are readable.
4.36.03
